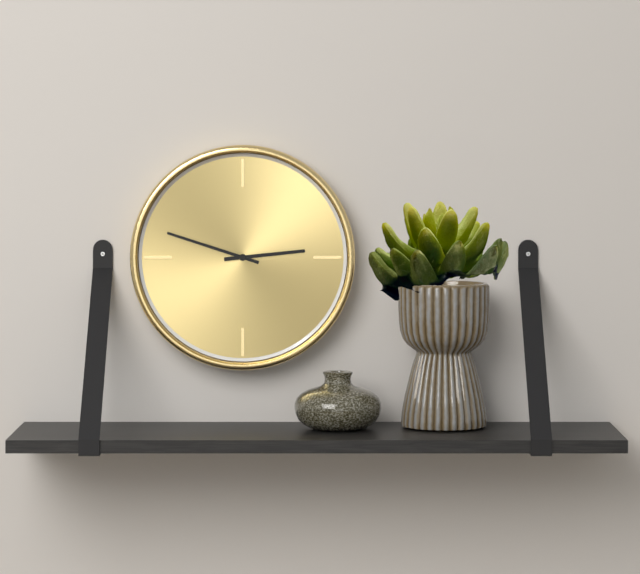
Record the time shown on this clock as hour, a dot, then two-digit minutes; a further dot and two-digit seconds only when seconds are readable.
2.48
